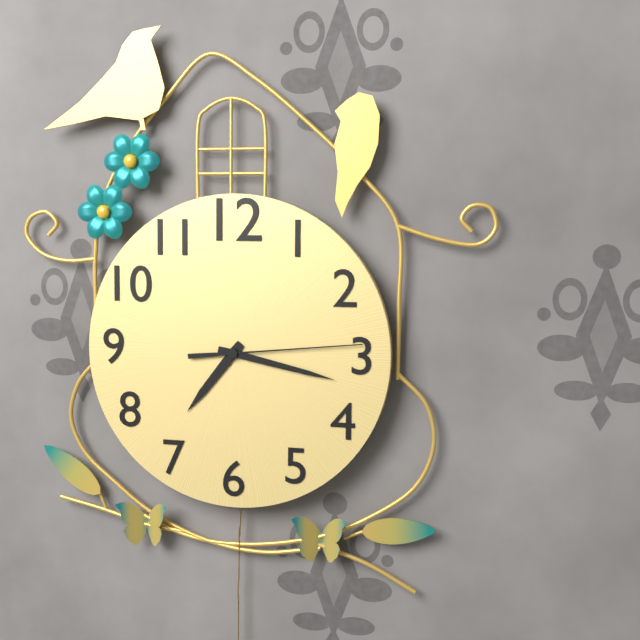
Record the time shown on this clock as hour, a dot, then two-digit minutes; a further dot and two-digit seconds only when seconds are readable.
7.17.14
